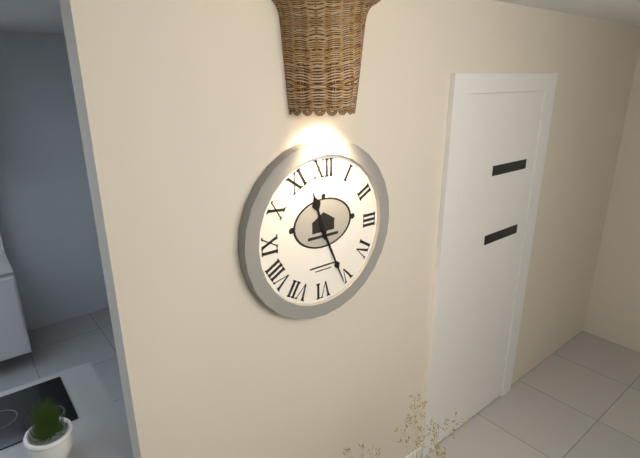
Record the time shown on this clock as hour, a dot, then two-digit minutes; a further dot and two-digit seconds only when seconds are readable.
11.26
